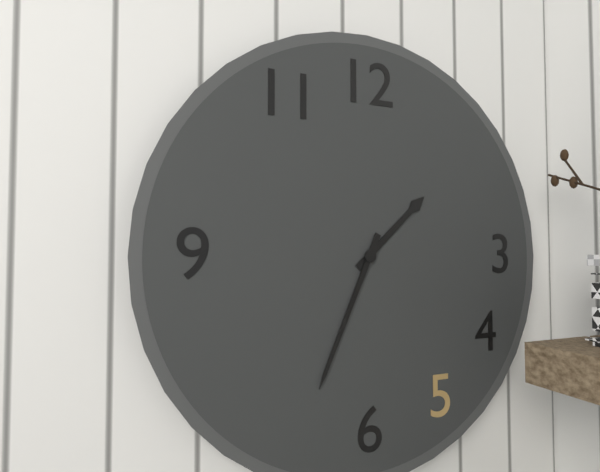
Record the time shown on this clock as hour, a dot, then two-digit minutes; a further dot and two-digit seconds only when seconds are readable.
1.34
